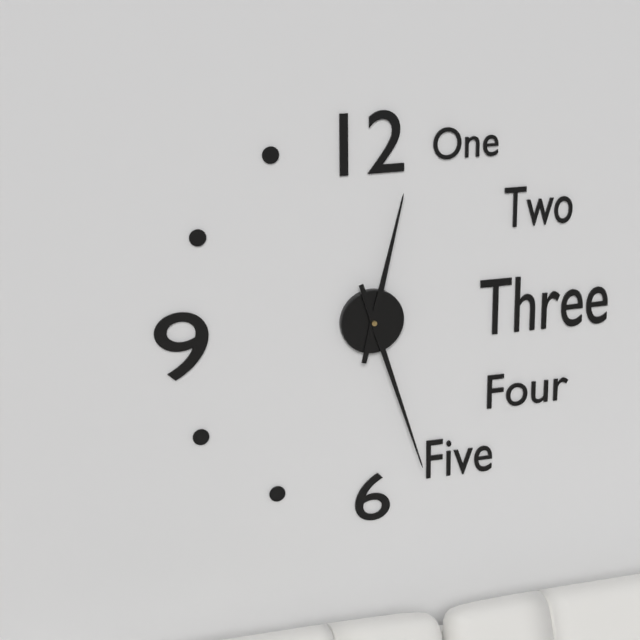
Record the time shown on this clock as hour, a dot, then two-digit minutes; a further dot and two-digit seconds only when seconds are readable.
12.27
